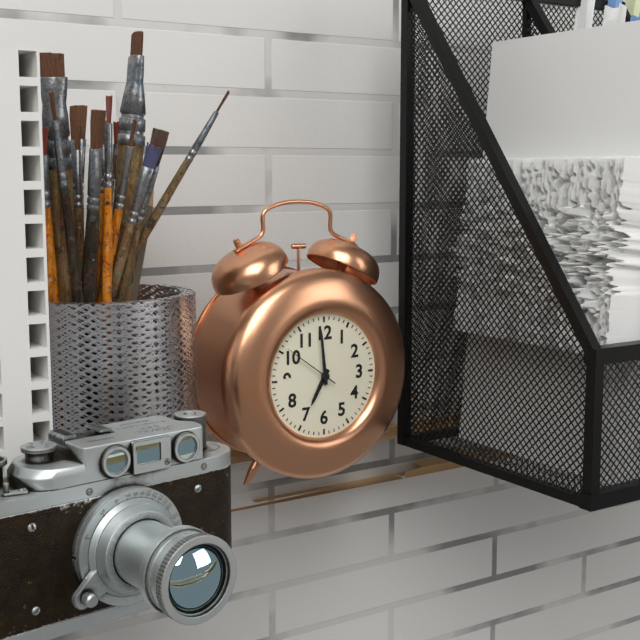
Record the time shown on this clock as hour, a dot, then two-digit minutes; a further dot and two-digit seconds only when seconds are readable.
6.59.51
